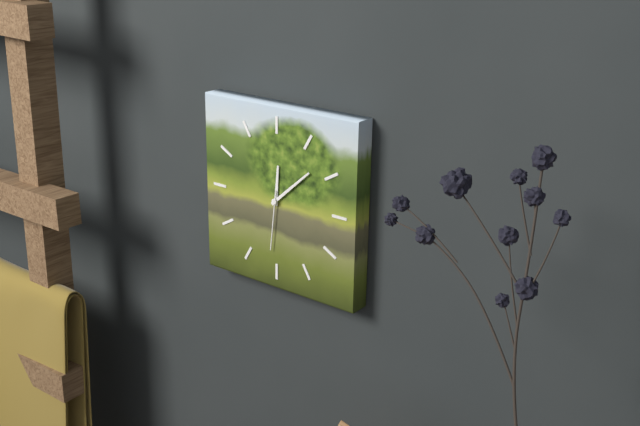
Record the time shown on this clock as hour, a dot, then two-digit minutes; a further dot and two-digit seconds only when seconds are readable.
12.08.31
